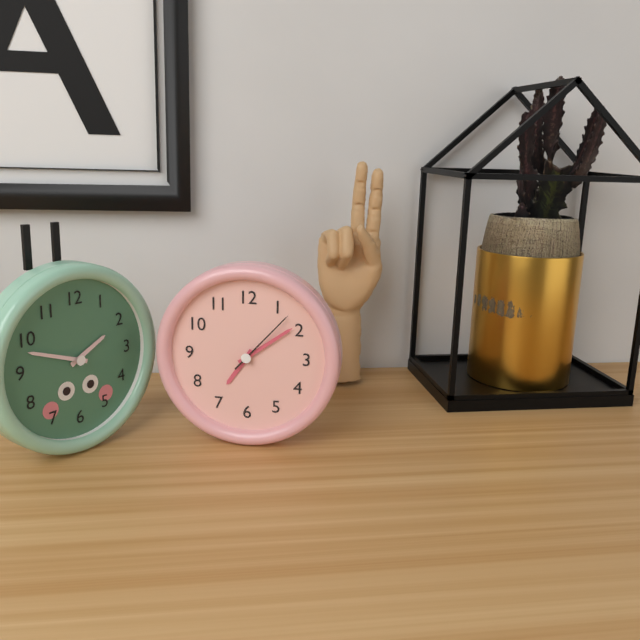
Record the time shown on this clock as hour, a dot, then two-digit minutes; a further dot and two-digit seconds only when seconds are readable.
7.09.07
